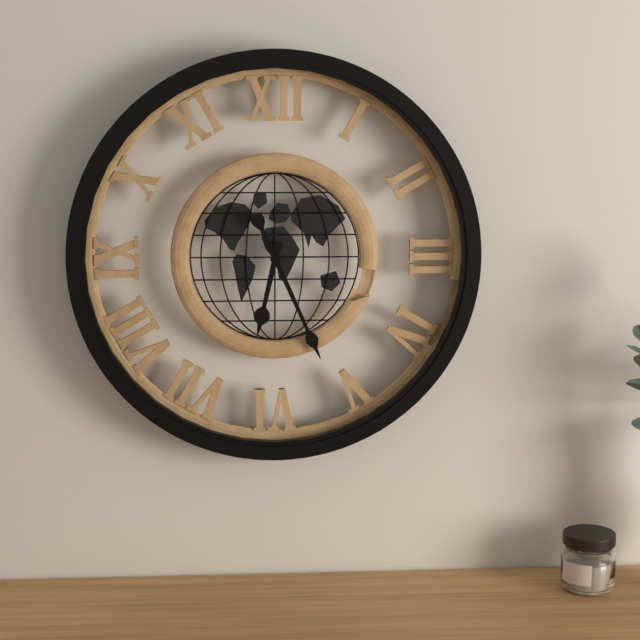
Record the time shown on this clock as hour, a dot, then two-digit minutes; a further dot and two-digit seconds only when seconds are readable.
6.26
